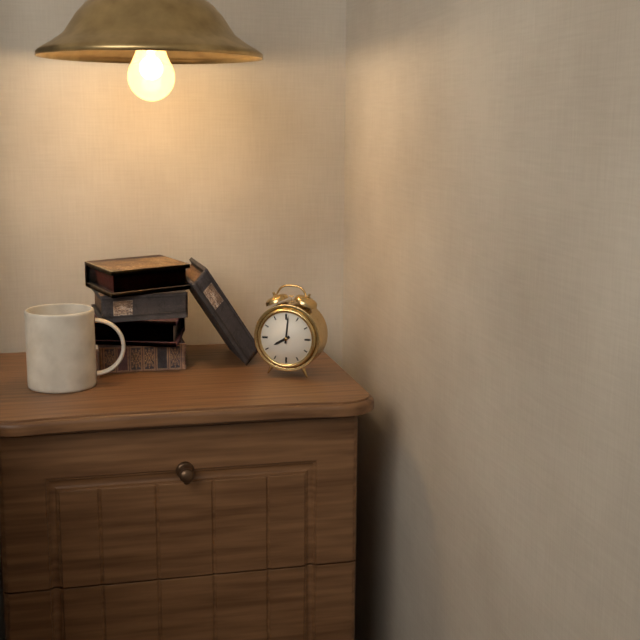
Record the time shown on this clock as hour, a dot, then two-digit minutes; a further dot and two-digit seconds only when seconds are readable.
8.01
